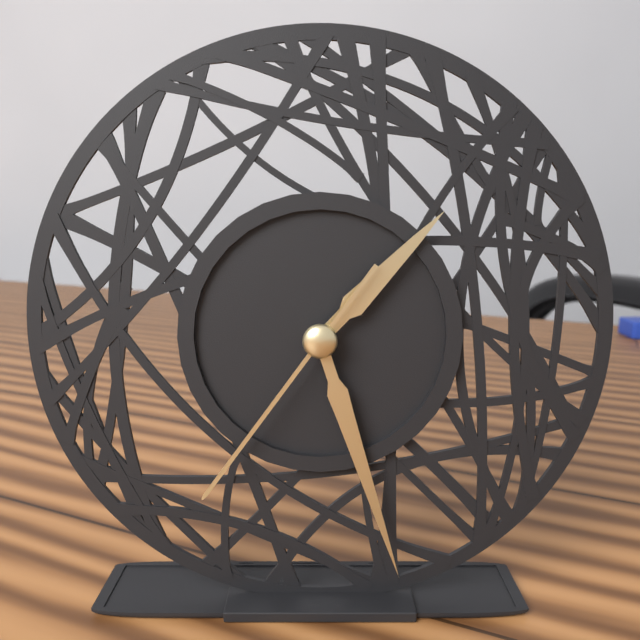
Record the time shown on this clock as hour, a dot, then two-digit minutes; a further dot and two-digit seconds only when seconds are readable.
1.27.36
